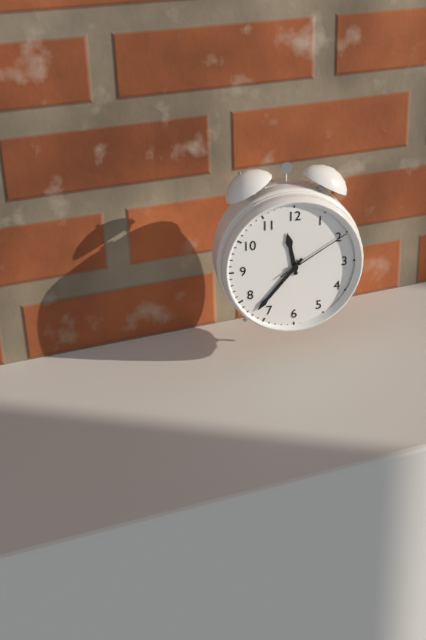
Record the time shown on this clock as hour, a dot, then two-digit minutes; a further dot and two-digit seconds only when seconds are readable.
11.37.10
